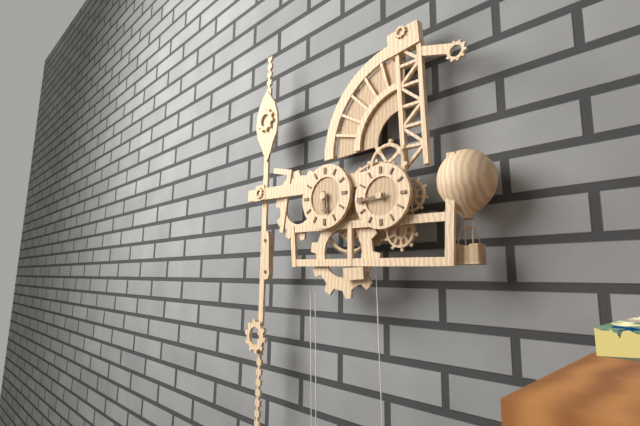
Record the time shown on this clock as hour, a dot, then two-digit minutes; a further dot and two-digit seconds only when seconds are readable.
5.44
